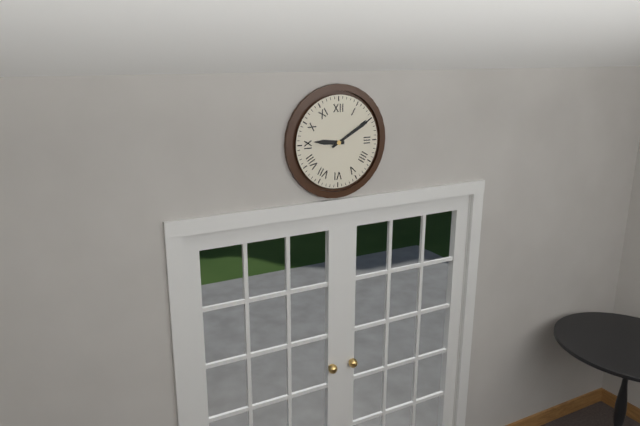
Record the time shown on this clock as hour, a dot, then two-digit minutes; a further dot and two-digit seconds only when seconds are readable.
9.10
